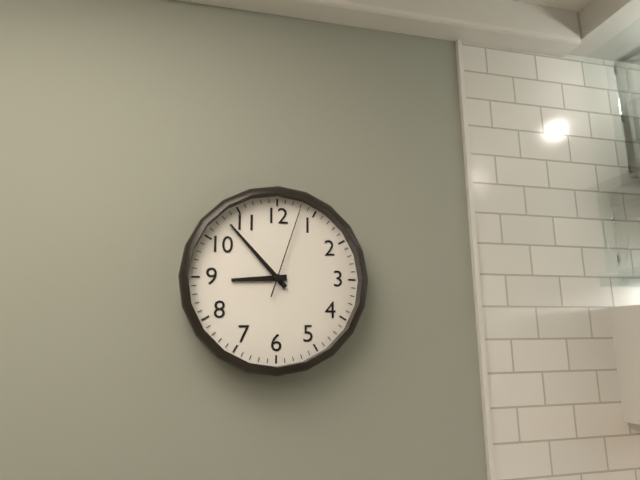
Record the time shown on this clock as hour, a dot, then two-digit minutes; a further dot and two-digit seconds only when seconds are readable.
8.53.03
